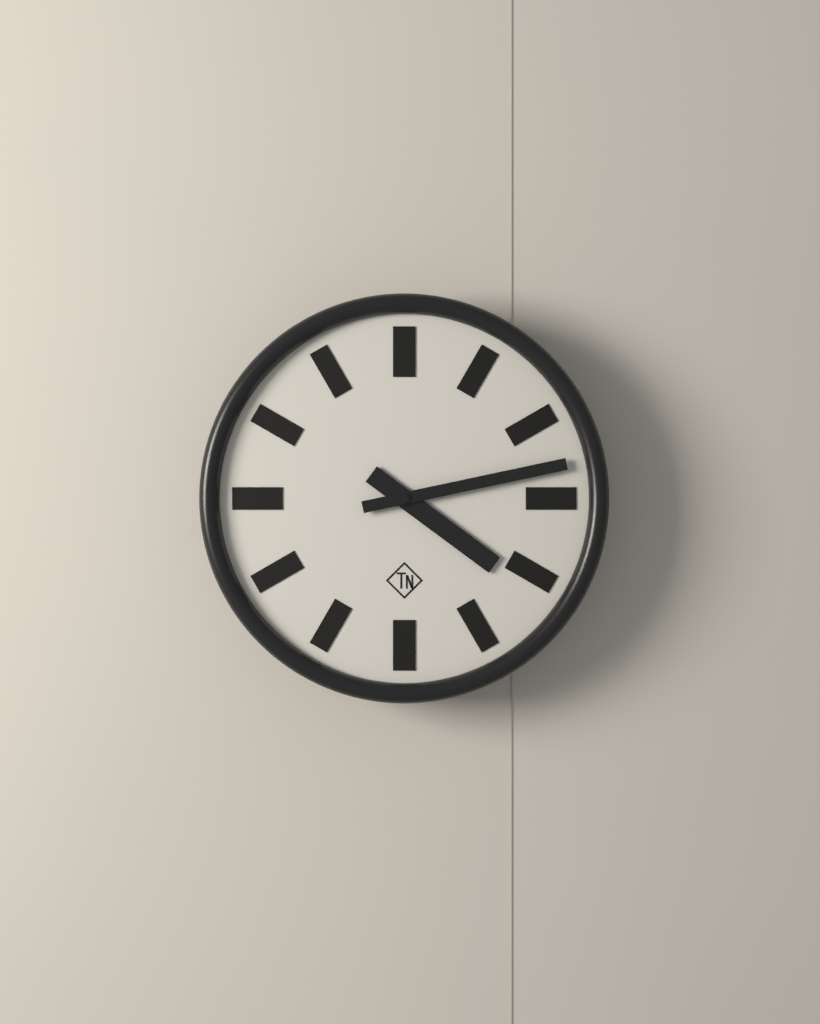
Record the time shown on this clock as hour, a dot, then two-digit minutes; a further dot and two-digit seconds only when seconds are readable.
4.13
